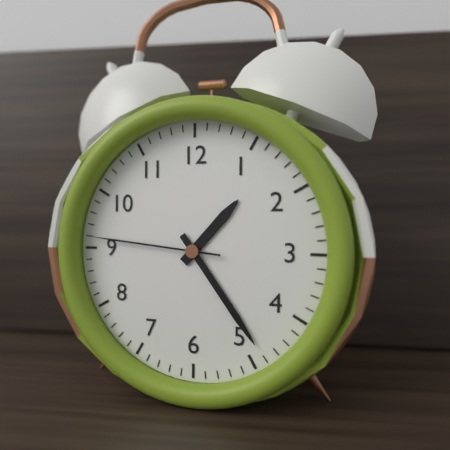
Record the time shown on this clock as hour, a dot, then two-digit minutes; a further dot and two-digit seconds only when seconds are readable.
1.24.46
